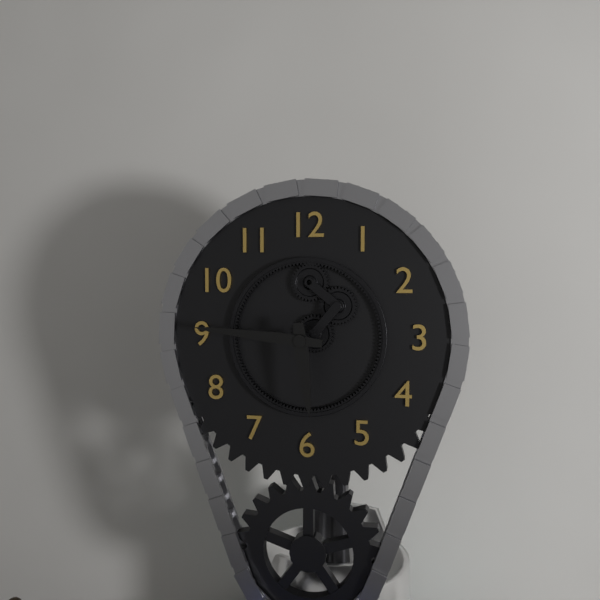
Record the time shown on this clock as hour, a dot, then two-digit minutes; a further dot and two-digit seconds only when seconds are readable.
5.46
